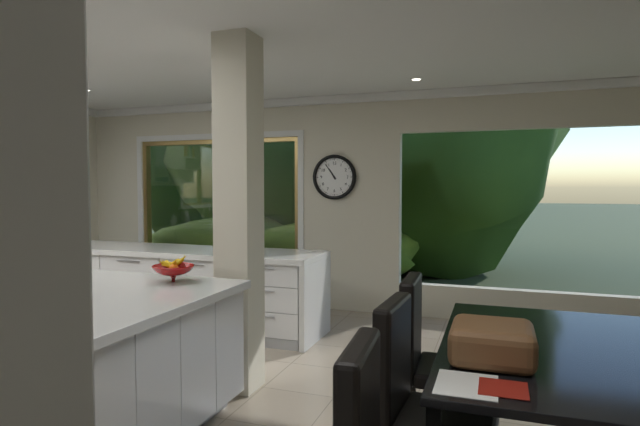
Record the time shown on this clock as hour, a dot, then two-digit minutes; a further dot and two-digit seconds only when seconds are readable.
10.54
